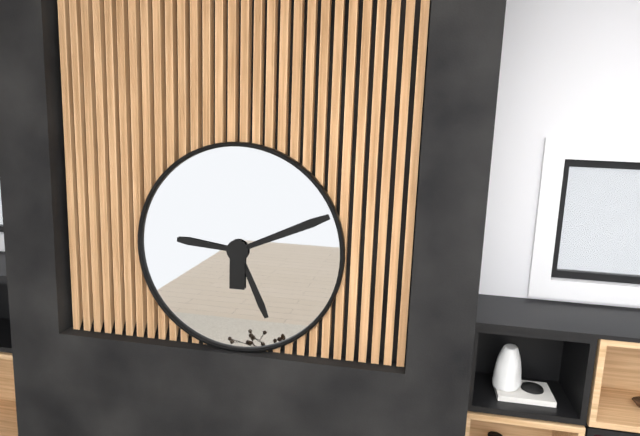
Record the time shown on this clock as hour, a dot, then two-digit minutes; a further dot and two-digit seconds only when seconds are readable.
5.11.46
